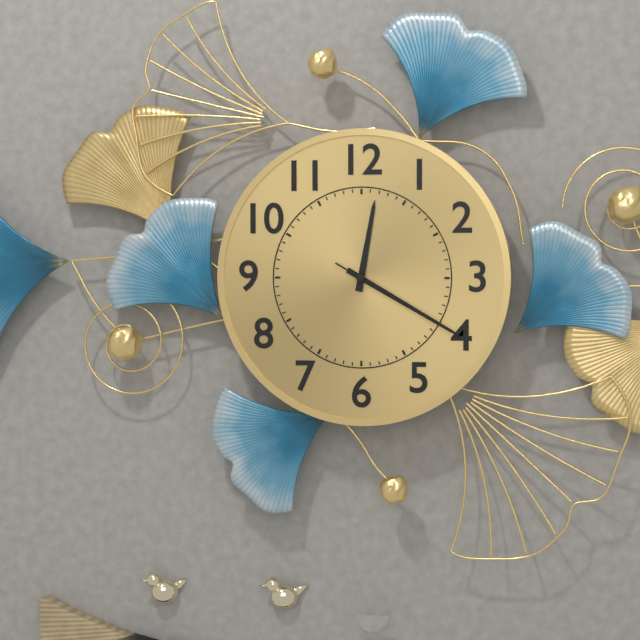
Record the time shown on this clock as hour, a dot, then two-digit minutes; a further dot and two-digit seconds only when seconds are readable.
12.20.20
